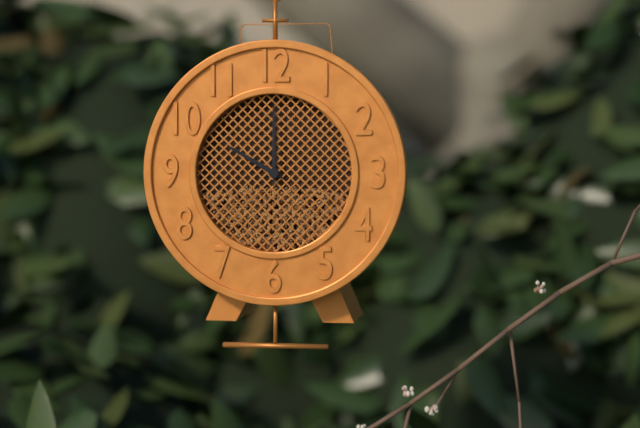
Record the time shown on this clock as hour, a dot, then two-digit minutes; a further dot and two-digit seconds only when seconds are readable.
10.00
